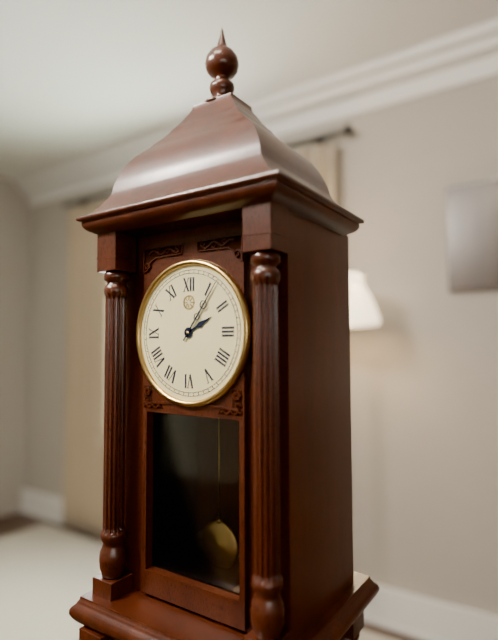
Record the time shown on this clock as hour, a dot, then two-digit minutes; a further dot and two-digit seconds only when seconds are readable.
2.06
